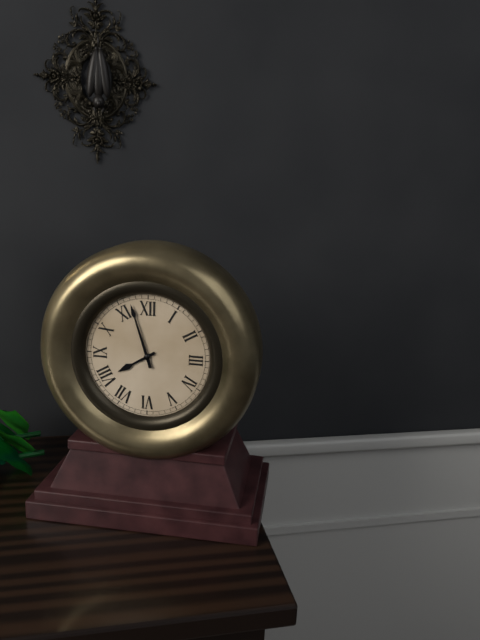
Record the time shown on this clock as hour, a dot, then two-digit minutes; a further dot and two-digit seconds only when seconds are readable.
7.57
